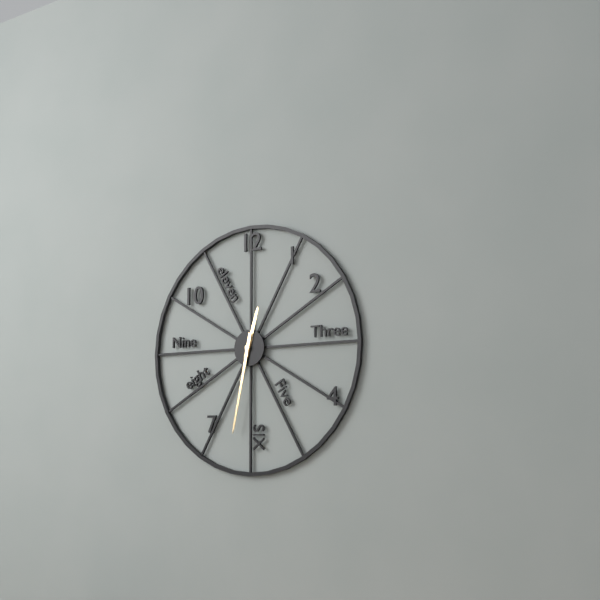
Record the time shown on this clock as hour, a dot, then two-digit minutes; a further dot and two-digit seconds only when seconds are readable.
12.32
